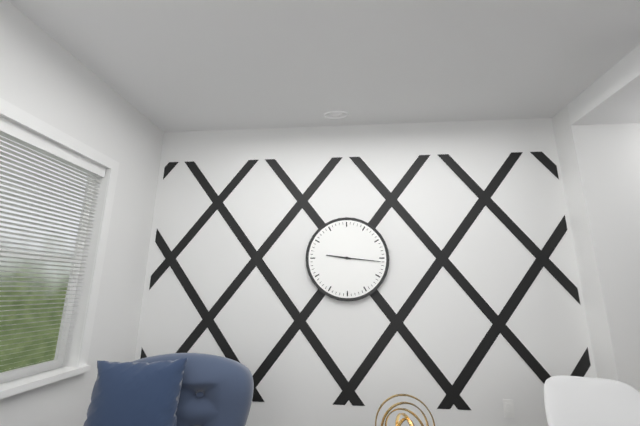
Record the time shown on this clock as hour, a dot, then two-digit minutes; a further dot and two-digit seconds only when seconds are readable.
9.16
